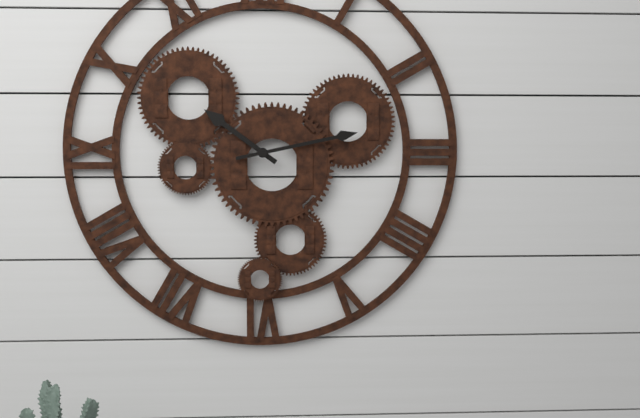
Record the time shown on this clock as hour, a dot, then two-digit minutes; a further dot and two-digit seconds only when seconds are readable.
10.13
